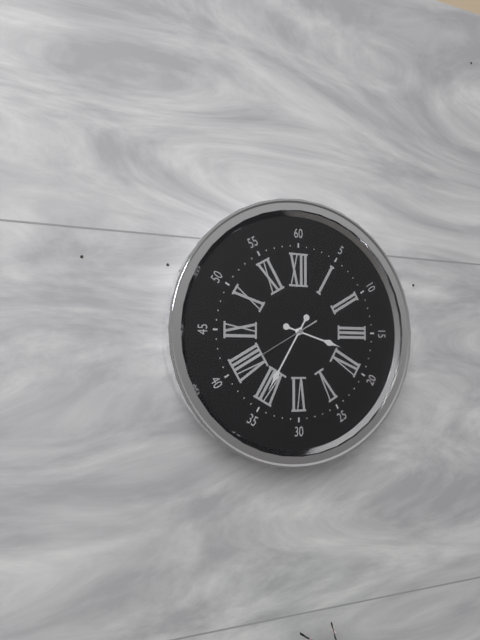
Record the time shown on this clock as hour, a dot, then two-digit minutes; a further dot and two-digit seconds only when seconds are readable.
3.35.40
